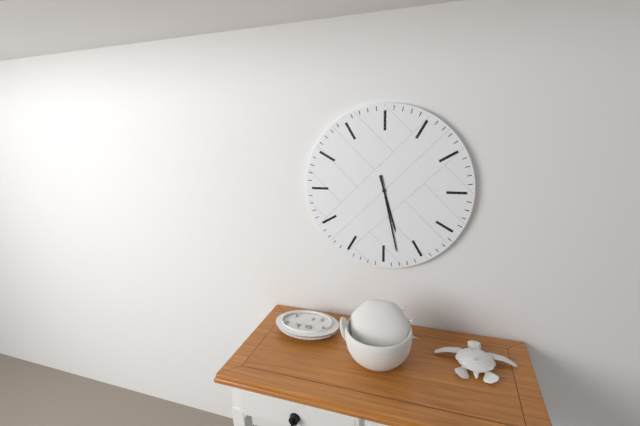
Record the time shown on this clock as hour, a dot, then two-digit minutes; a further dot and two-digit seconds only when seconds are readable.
5.28
